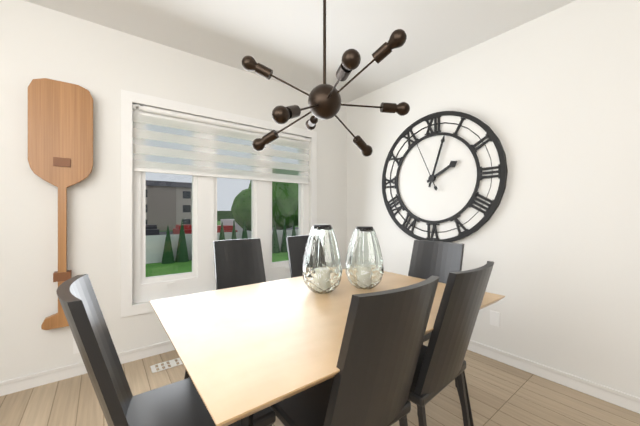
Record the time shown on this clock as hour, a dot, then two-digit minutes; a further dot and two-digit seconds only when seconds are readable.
2.03.56
